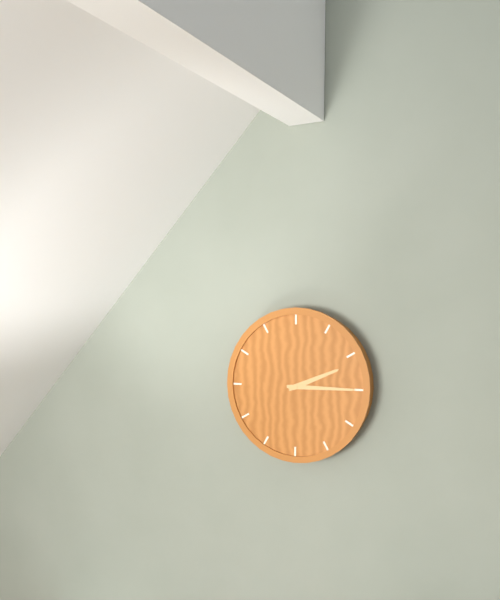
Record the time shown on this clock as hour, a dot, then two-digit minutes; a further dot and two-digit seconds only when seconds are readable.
2.15
